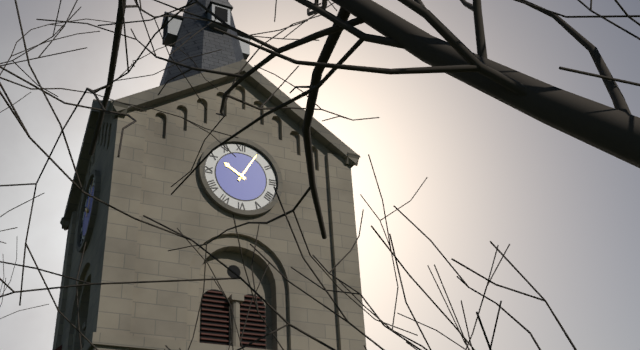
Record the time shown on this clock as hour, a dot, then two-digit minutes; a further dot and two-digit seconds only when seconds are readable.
10.05
